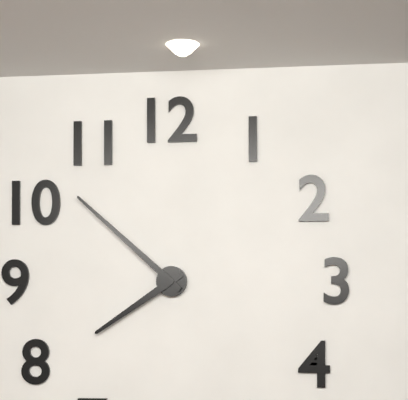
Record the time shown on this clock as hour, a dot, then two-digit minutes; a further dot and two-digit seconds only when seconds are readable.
7.52
